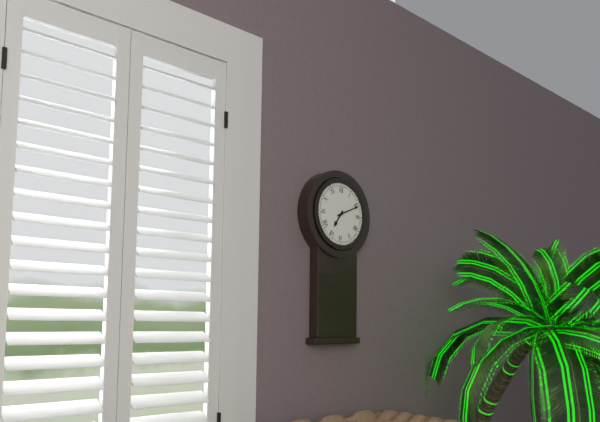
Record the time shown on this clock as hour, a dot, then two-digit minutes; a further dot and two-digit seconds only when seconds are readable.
7.11
